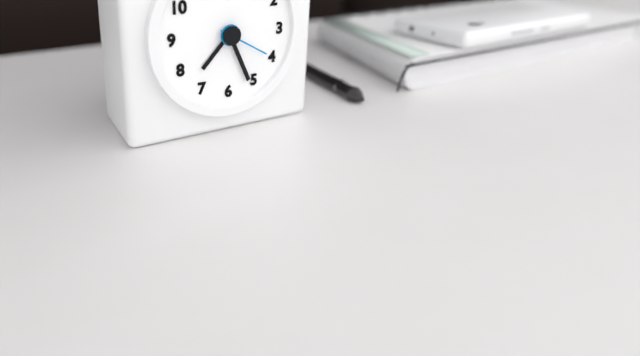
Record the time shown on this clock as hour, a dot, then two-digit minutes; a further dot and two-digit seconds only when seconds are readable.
7.26.20
